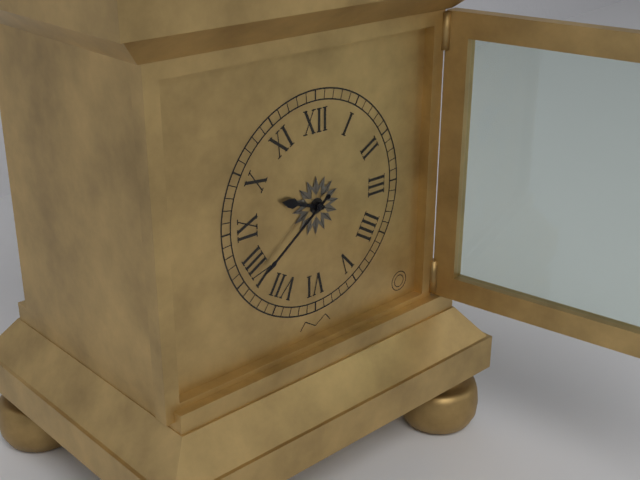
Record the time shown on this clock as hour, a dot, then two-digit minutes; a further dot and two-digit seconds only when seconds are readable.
9.39
